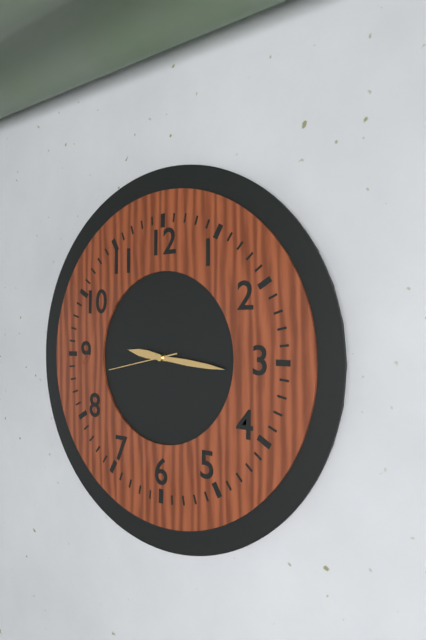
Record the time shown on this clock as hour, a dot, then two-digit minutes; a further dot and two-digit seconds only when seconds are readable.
9.16.43
